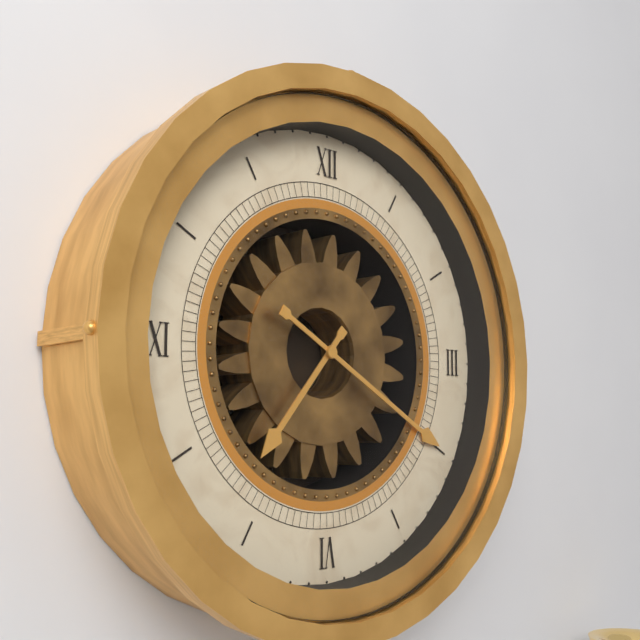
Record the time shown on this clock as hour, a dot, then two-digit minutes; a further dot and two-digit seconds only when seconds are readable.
7.20
